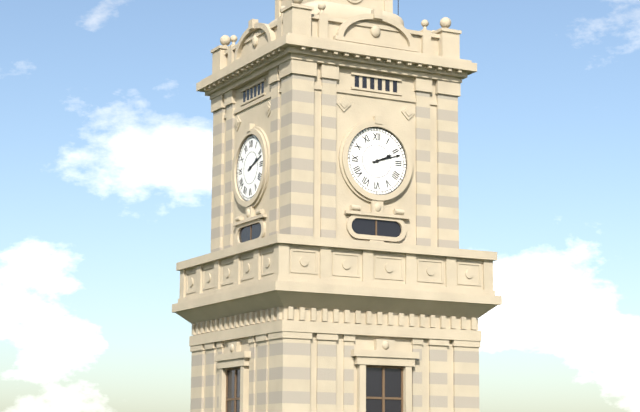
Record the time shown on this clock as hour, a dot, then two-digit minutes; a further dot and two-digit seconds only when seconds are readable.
2.12
